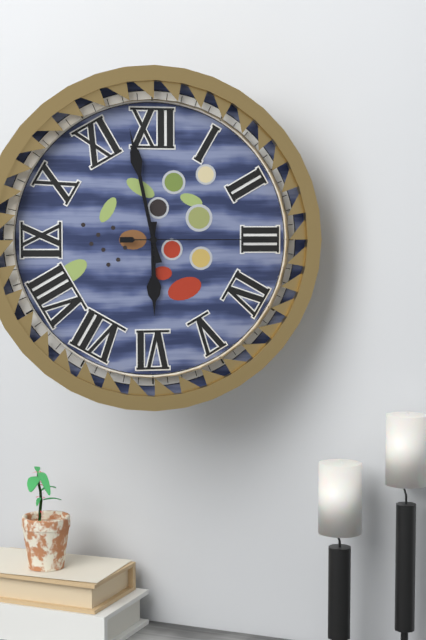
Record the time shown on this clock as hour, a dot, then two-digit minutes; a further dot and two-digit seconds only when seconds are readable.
5.58.15
